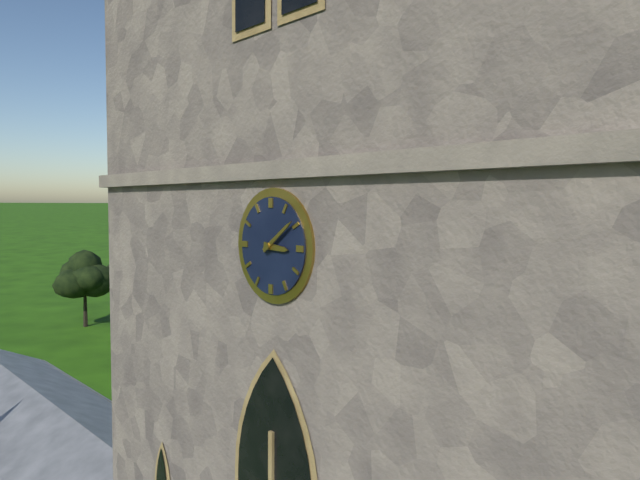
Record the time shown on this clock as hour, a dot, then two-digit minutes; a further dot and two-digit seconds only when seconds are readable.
3.09
